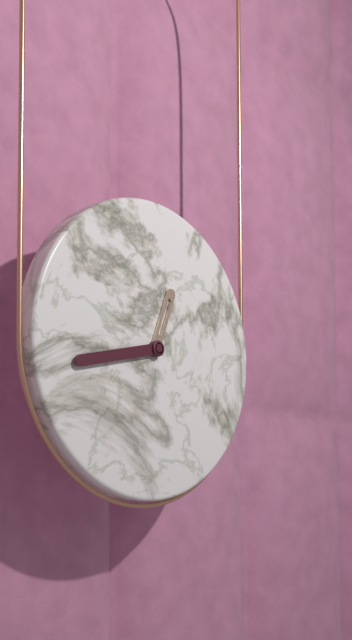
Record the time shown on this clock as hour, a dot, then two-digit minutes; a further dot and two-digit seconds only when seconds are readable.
12.43
